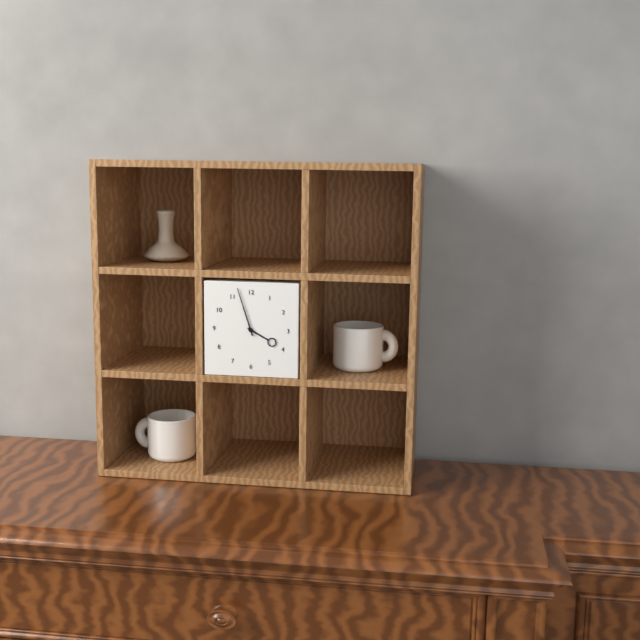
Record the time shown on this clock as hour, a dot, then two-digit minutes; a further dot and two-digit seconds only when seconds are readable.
3.57
